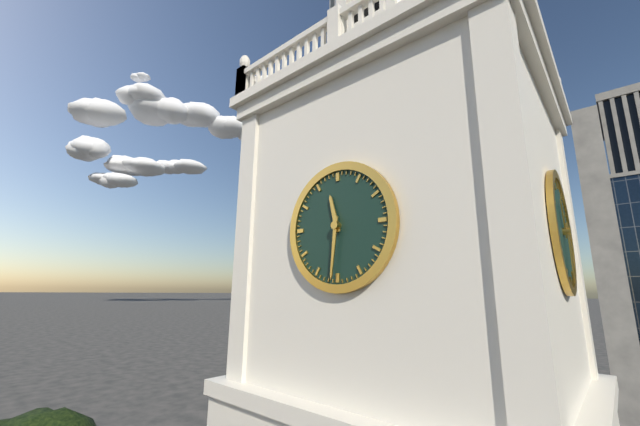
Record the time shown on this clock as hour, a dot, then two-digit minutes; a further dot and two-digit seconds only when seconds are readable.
11.31
